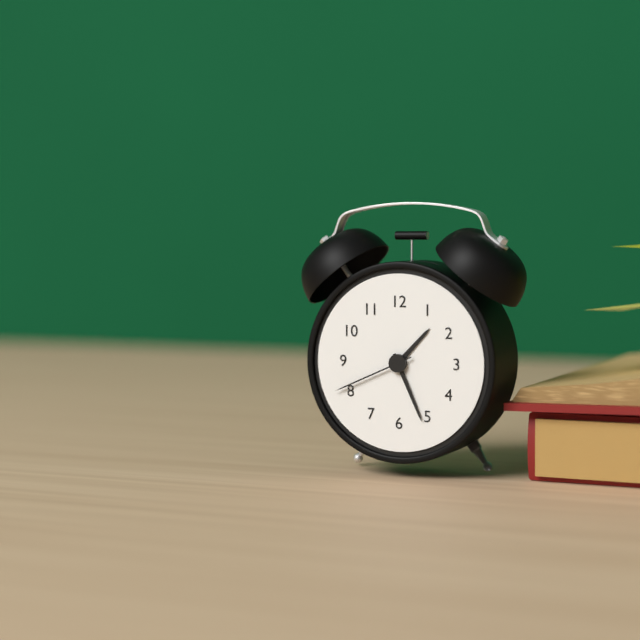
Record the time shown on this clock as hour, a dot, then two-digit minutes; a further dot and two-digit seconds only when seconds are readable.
1.26.41
